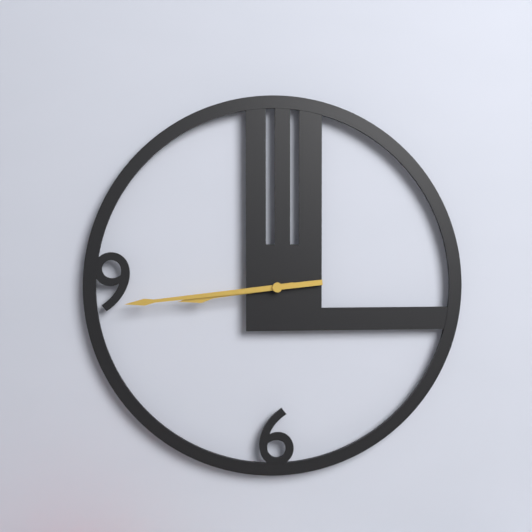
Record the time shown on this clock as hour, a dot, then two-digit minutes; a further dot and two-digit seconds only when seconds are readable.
8.44
